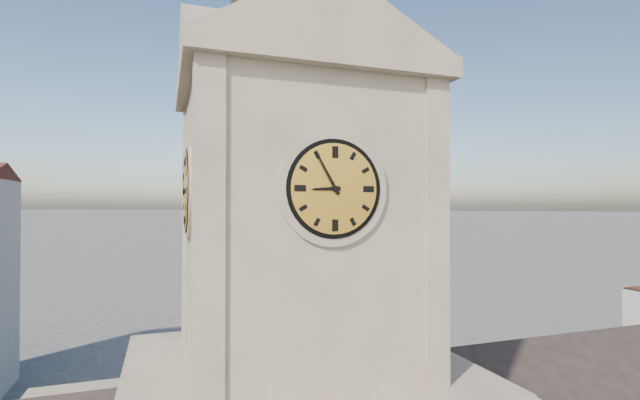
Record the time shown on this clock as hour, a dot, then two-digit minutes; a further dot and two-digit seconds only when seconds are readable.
8.55
